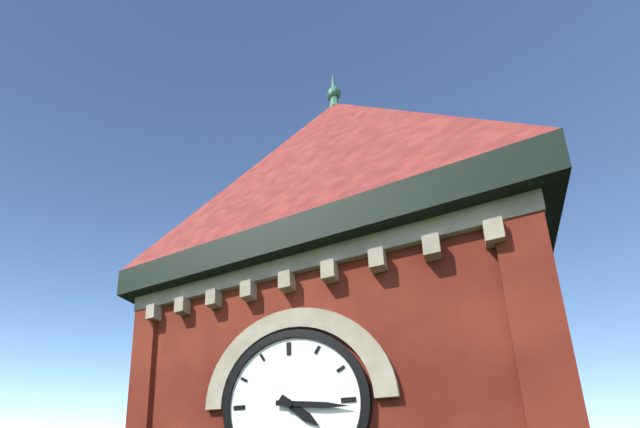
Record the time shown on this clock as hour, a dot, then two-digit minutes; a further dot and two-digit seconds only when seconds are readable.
4.16
